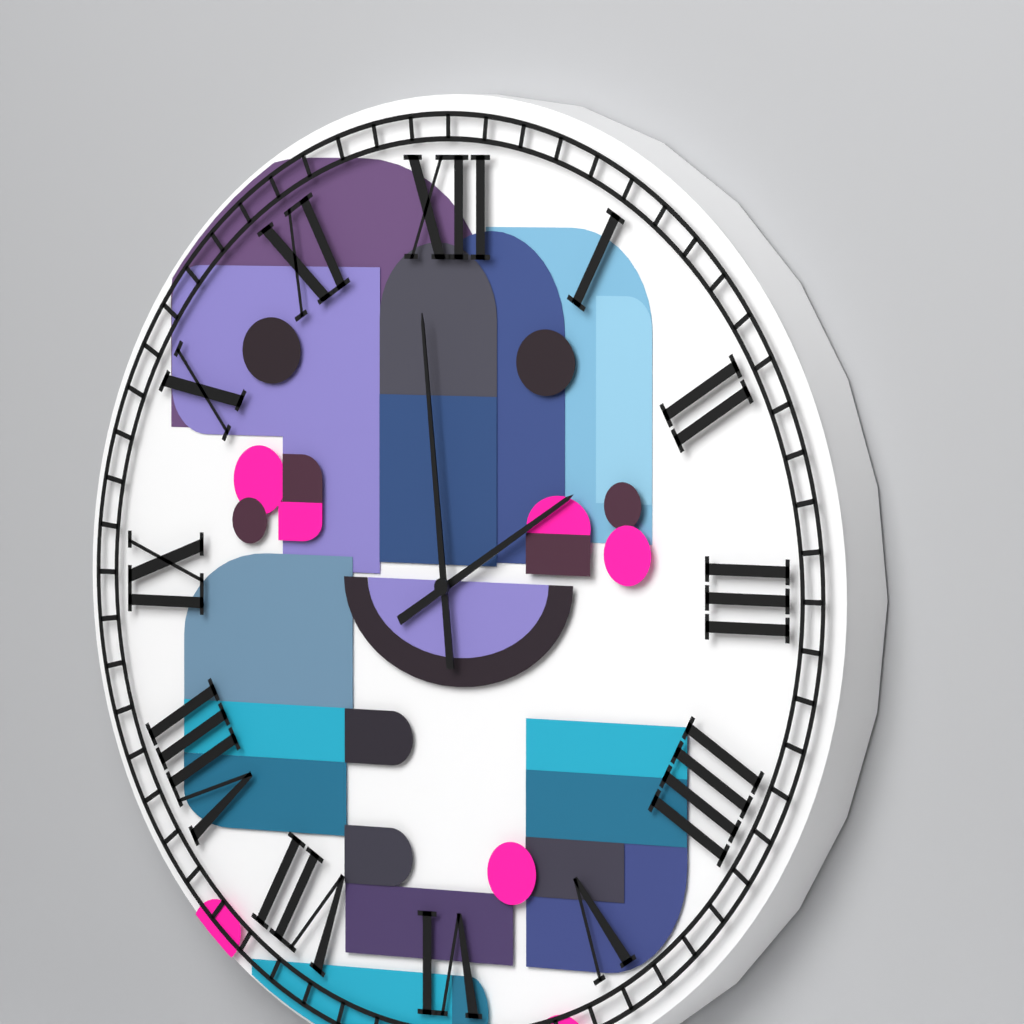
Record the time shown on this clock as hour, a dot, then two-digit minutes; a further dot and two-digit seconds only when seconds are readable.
1.59
